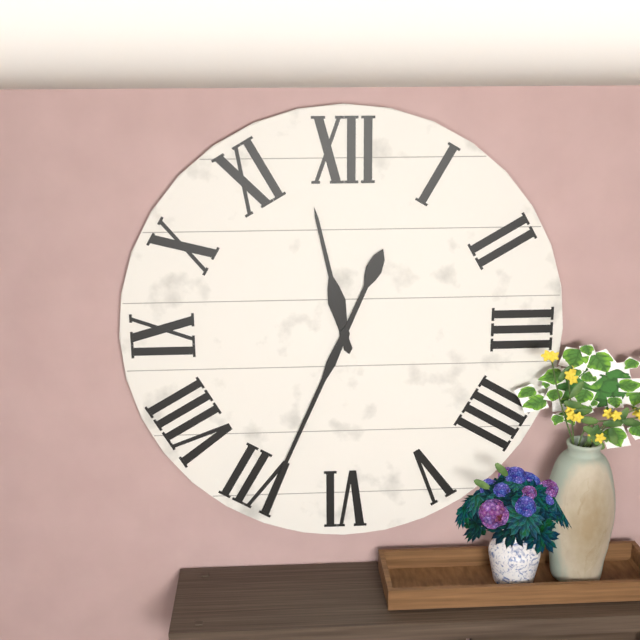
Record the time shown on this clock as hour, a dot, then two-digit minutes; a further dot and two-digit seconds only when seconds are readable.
11.34
